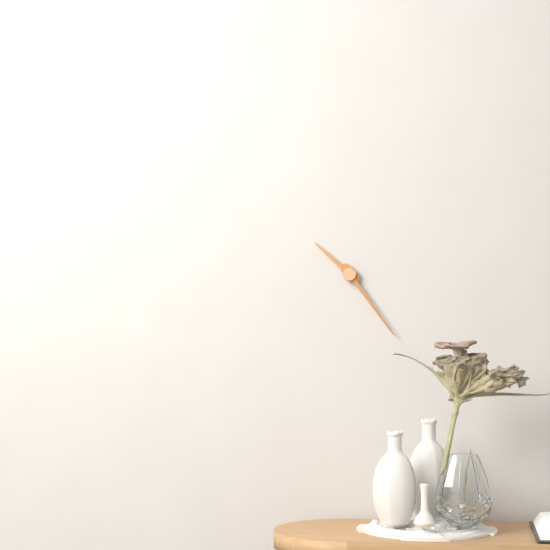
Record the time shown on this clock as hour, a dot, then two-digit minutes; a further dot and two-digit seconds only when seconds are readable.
10.24
